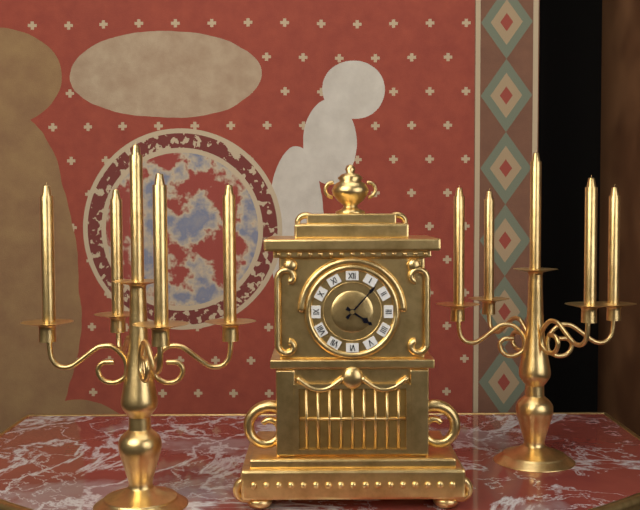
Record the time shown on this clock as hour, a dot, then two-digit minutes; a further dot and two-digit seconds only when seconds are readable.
4.07
